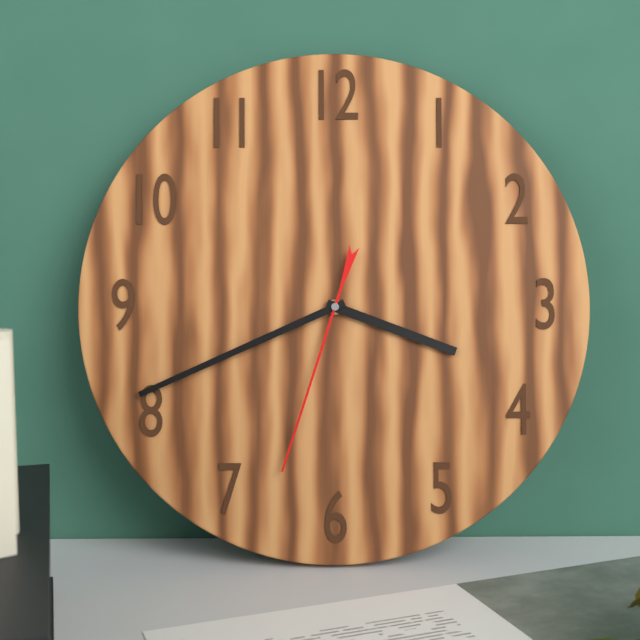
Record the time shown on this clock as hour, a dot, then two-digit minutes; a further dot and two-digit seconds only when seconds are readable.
3.41.33
